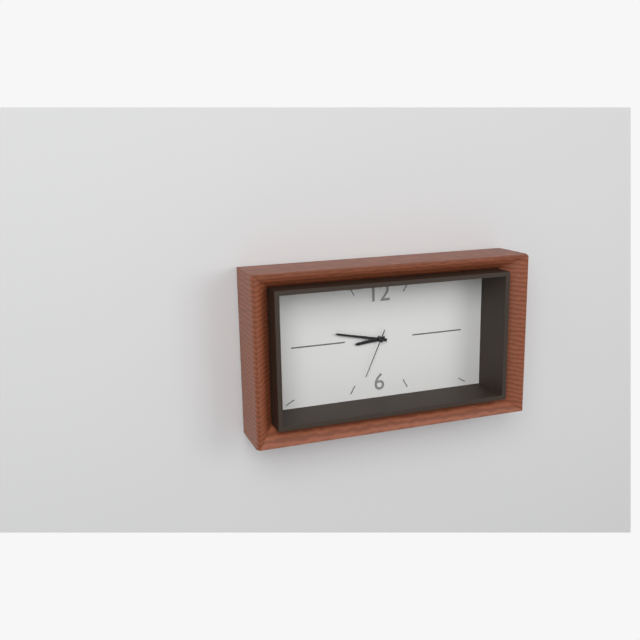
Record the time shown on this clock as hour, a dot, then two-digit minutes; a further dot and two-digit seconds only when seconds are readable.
8.47.34
